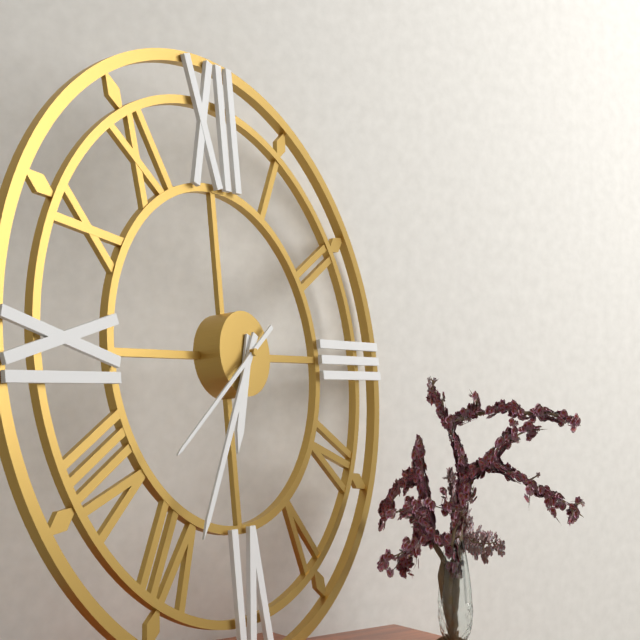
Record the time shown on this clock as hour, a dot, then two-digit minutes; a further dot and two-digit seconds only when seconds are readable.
6.35.39
